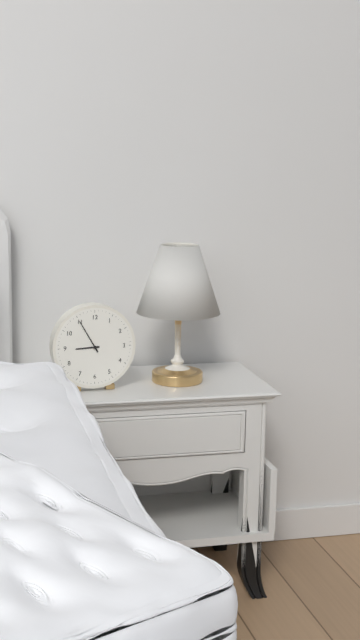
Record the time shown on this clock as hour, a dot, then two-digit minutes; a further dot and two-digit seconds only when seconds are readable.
8.55
